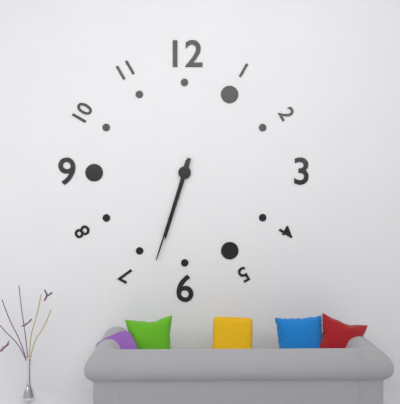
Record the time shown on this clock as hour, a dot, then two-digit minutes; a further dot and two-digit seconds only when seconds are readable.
6.33
